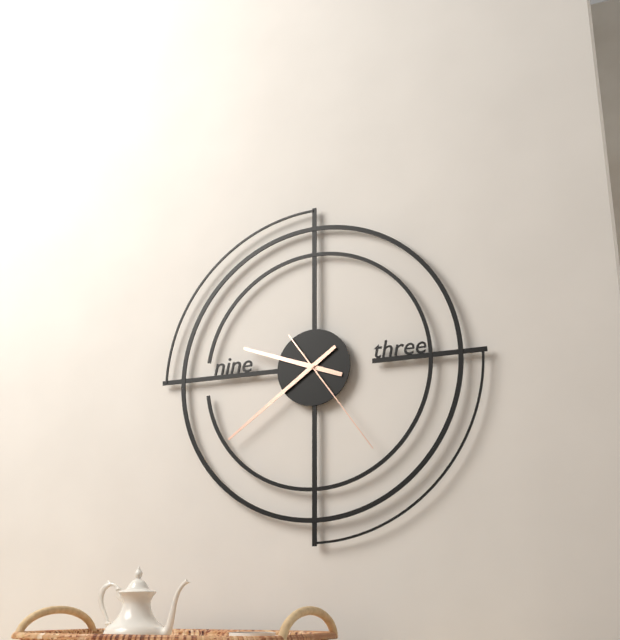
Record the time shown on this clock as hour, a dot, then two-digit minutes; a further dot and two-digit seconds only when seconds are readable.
9.39.24
